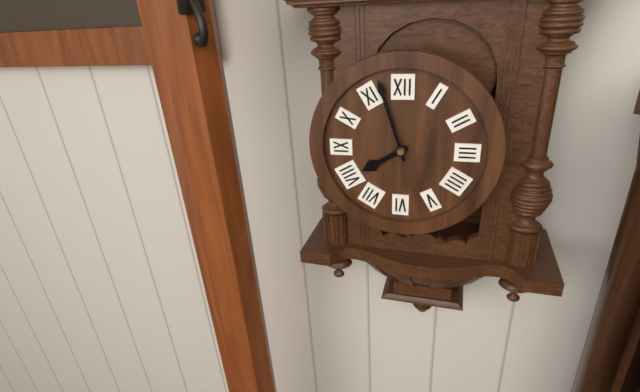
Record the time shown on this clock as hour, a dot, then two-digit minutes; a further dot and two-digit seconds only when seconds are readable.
7.57
